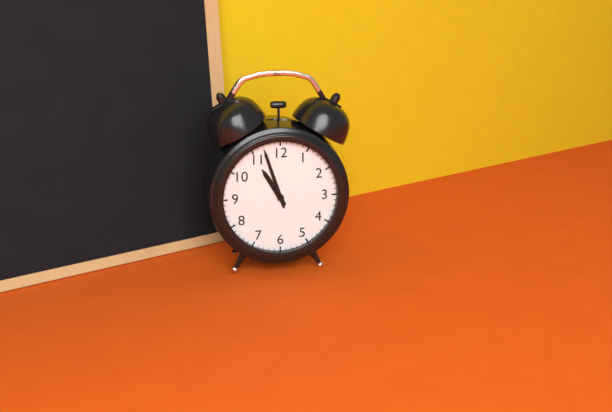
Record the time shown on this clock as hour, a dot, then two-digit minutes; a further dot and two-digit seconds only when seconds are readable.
10.57
